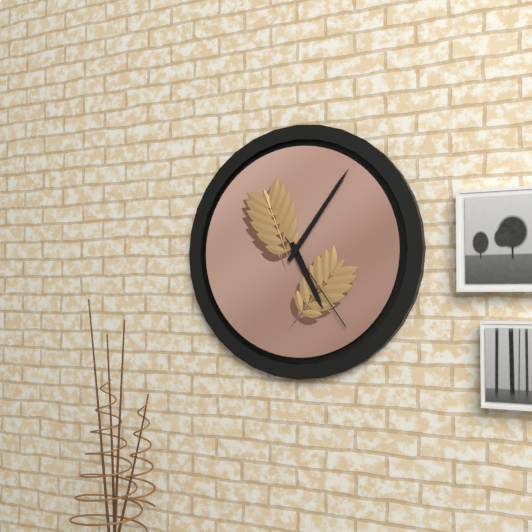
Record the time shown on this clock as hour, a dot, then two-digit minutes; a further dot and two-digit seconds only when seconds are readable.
5.06.24
